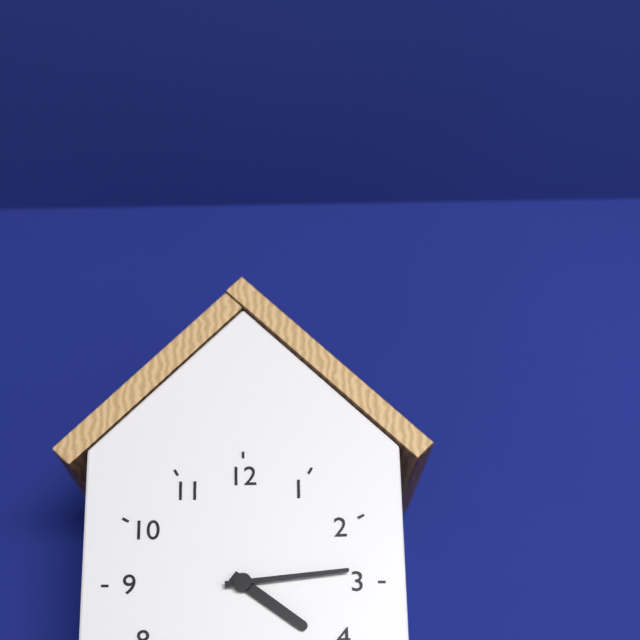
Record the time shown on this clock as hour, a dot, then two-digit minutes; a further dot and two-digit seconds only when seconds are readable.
4.14
